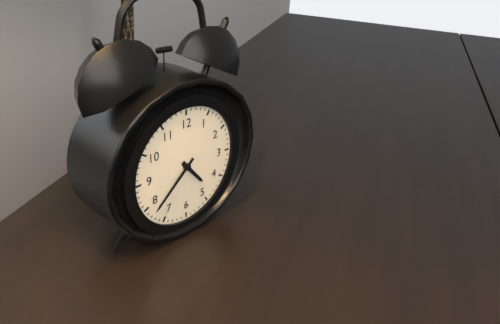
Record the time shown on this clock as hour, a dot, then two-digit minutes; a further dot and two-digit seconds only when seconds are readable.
4.38
